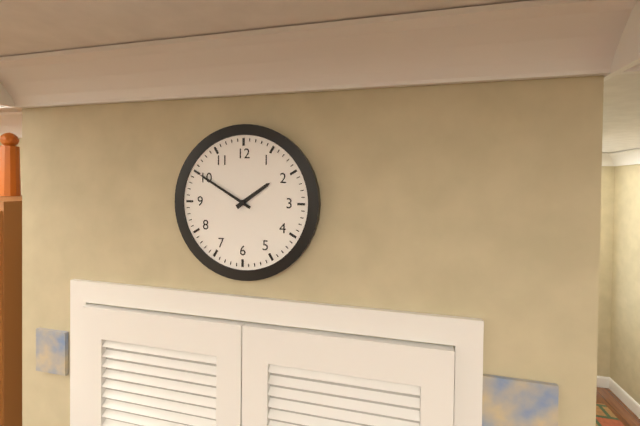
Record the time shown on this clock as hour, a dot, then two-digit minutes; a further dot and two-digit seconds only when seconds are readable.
1.50
